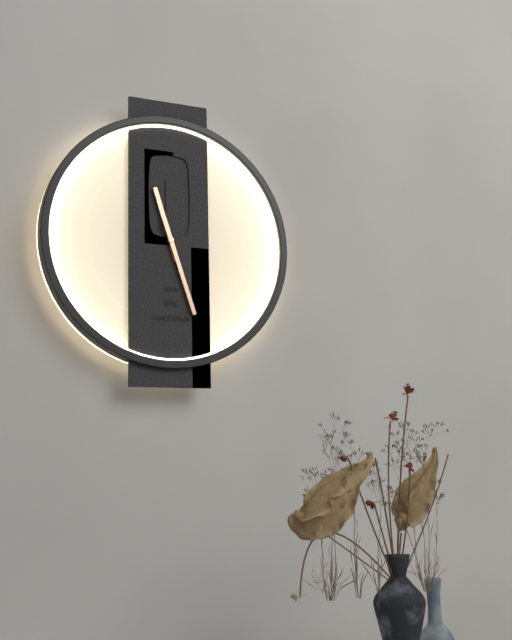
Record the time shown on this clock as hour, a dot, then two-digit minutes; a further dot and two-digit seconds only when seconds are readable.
11.27
